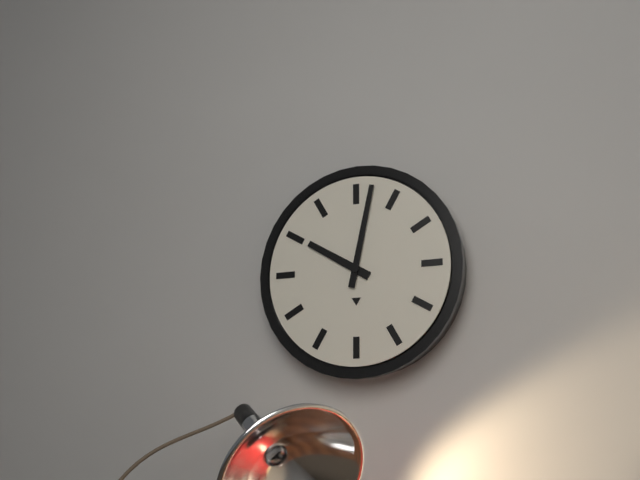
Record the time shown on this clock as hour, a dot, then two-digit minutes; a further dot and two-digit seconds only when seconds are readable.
10.02
